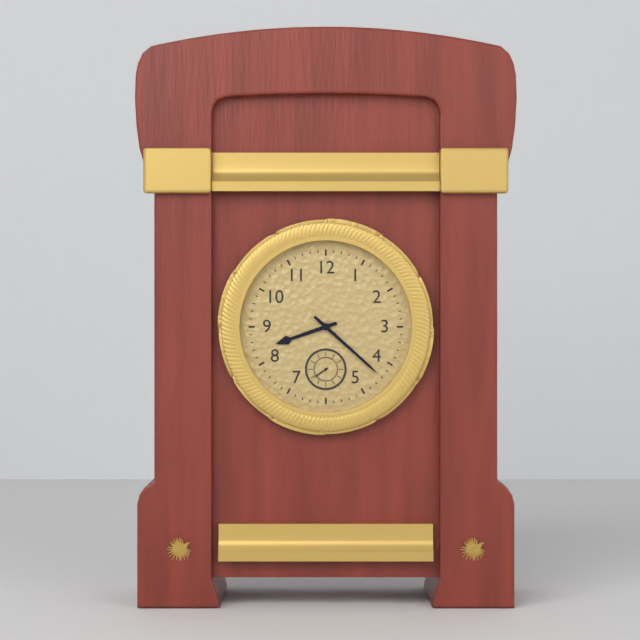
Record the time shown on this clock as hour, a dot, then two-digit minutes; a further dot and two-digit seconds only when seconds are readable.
8.22
